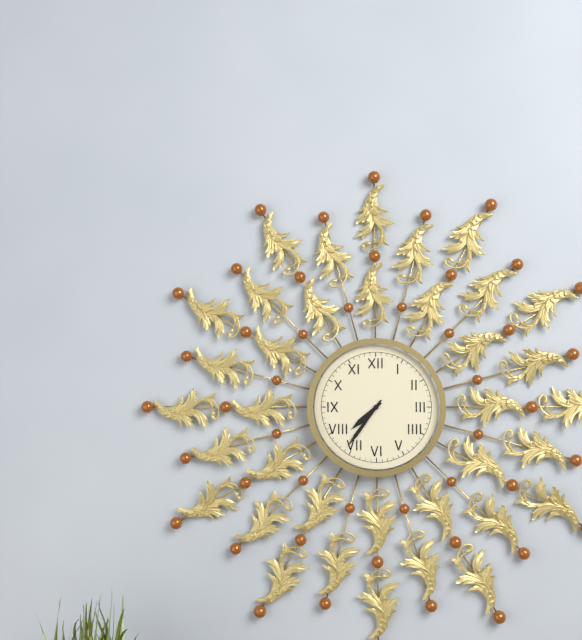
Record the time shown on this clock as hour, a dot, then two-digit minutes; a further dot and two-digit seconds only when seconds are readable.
7.36
